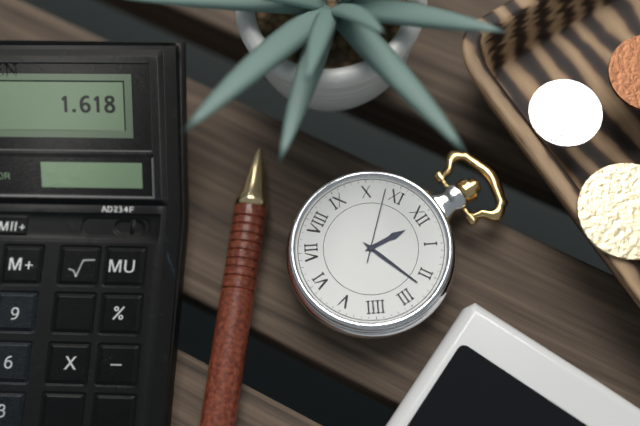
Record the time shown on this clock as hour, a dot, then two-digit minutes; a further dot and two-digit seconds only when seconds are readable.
12.12.53
